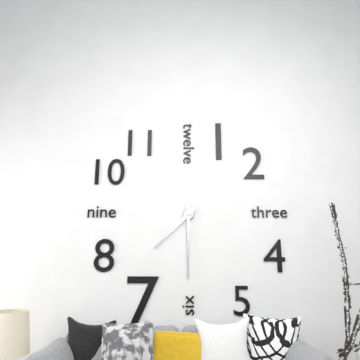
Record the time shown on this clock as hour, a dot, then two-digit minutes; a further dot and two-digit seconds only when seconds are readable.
7.30
